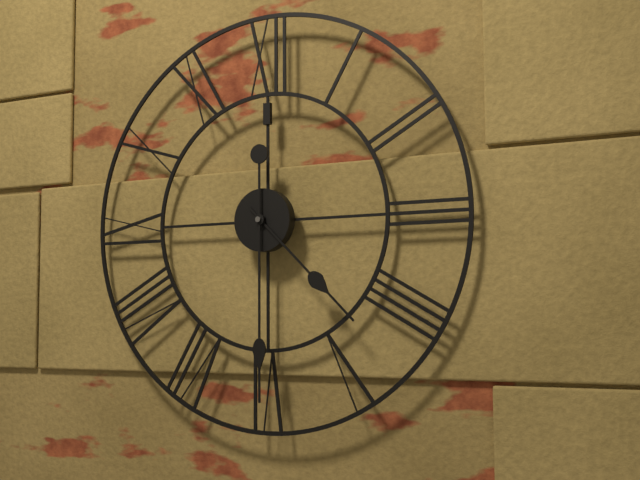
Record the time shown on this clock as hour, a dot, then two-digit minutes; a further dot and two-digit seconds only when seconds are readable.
4.30
